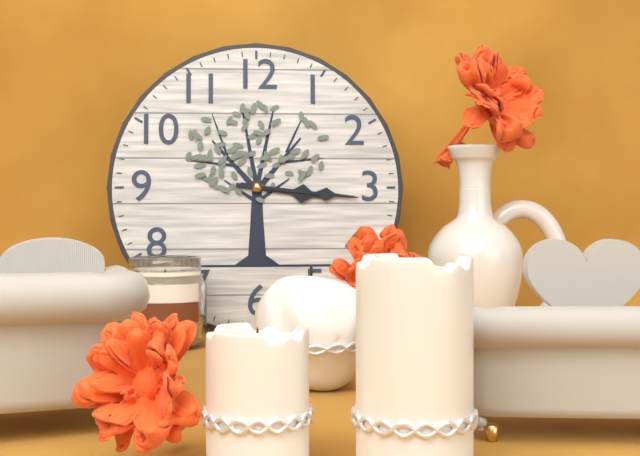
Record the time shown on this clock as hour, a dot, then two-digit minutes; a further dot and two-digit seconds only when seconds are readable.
3.16
